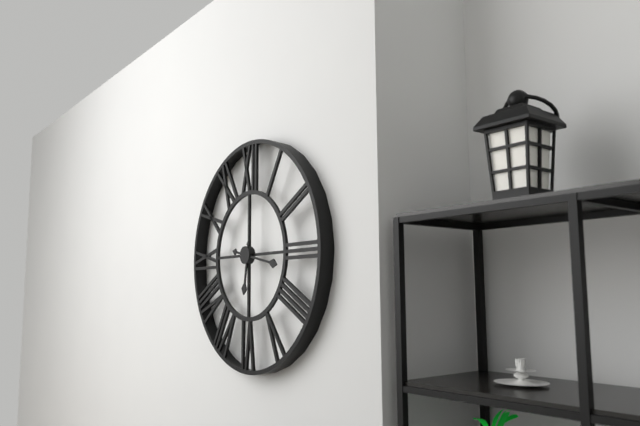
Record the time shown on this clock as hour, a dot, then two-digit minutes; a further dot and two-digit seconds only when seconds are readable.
6.17
